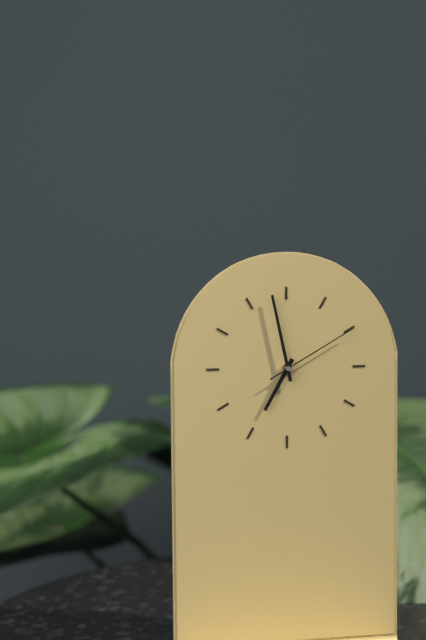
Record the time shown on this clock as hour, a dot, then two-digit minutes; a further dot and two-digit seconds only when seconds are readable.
6.58.10
